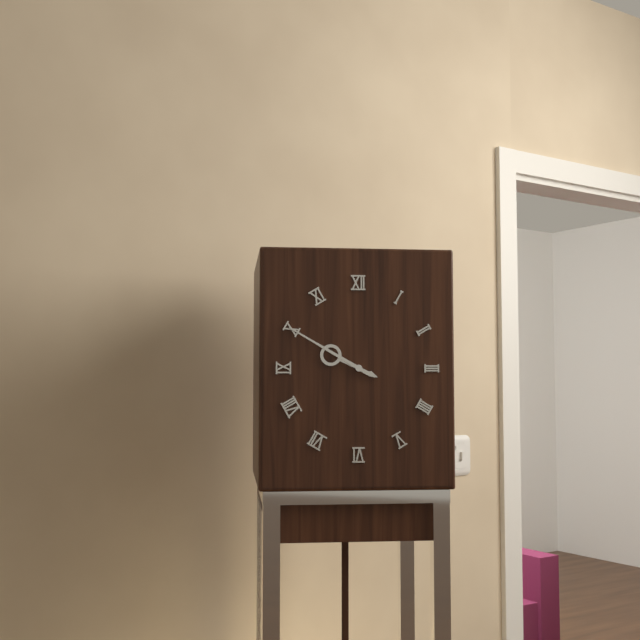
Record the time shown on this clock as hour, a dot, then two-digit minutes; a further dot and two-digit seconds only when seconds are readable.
9.50
